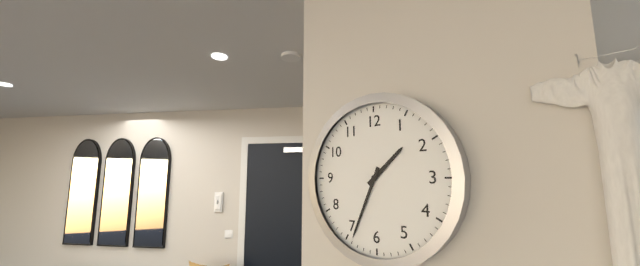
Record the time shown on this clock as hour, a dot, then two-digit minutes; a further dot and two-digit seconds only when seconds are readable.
1.34
